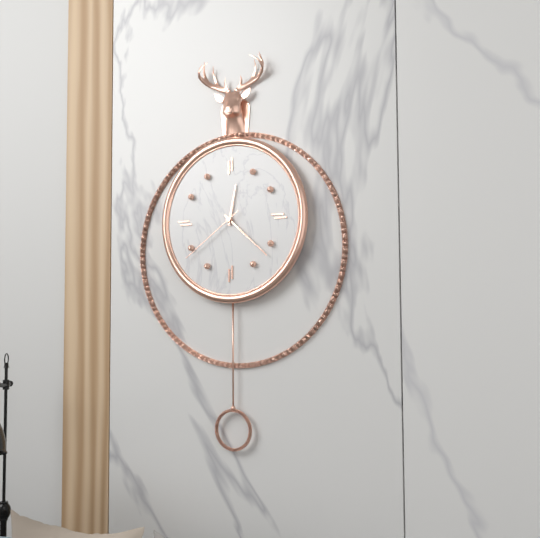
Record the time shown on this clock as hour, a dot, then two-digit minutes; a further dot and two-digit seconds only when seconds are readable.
12.22.39
